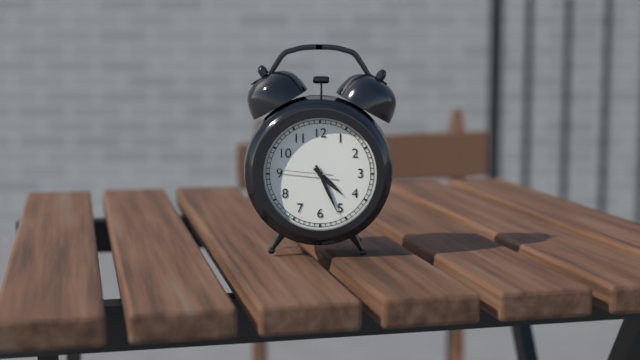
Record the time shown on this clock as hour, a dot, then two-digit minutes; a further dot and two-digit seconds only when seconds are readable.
4.26.46
